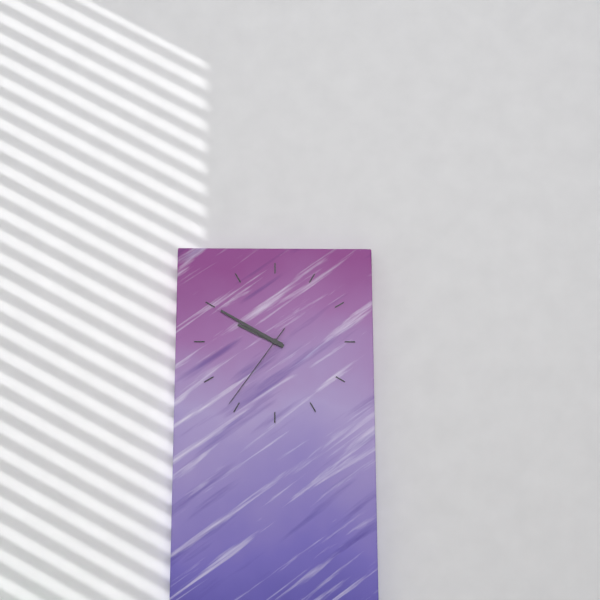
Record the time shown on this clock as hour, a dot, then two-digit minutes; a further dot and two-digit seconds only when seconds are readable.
9.50.36
